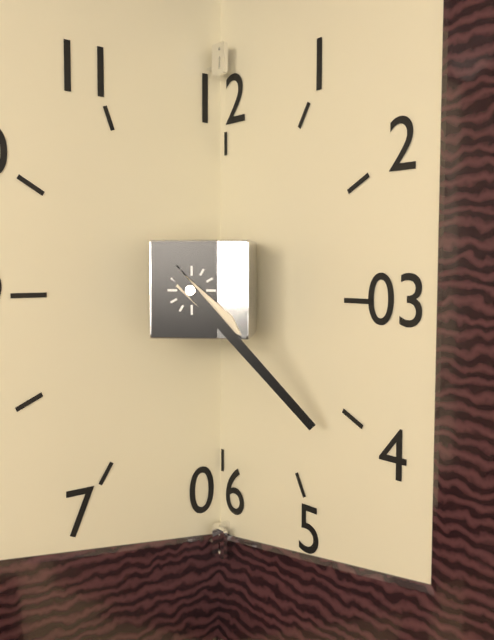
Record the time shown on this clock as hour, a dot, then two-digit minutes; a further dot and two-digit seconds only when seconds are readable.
4.23
